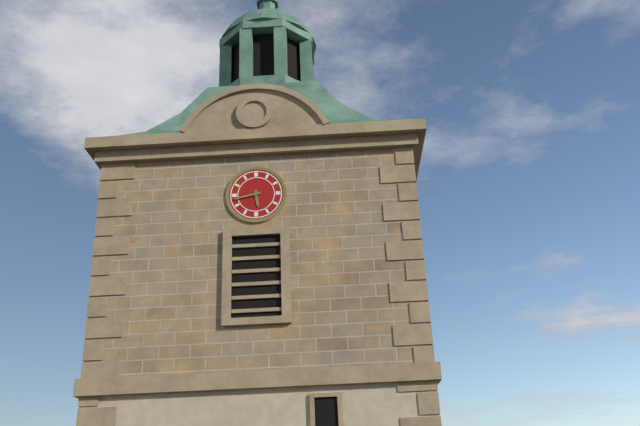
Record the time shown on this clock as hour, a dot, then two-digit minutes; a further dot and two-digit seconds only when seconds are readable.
5.43
